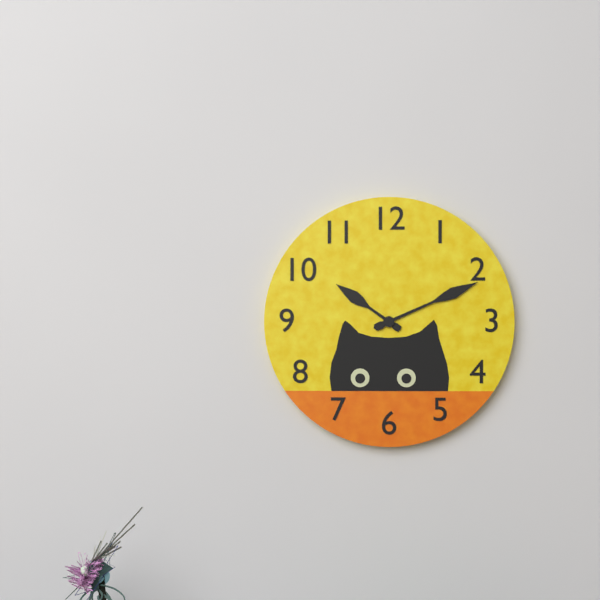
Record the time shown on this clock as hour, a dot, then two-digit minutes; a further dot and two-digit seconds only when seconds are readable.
10.11
